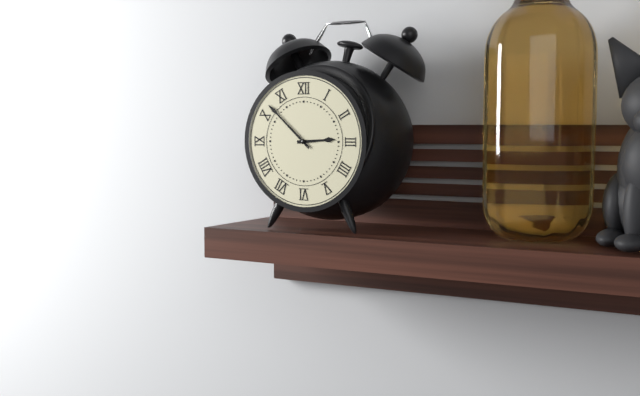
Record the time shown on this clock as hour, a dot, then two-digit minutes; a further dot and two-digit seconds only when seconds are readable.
2.52
